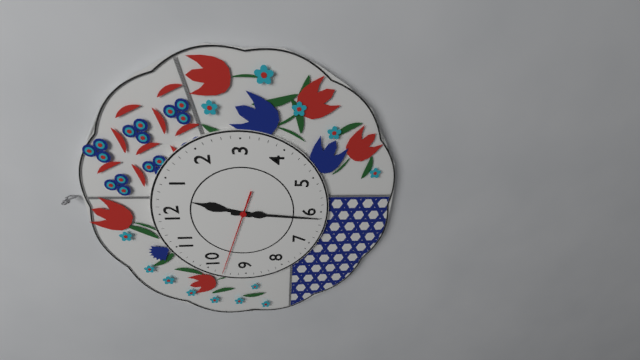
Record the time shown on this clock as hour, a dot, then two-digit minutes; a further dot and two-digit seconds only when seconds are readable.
12.31.48
